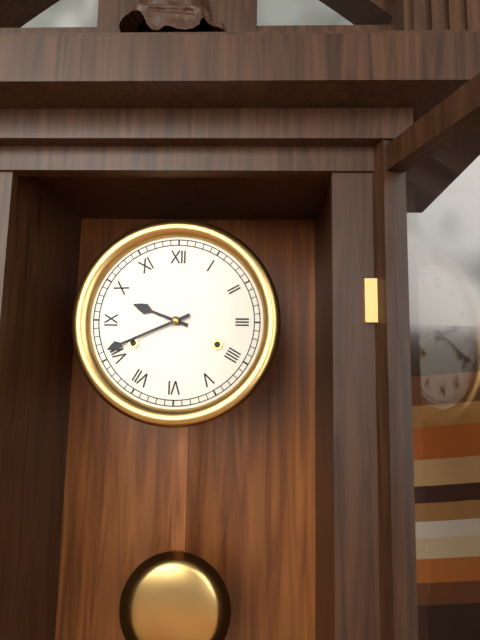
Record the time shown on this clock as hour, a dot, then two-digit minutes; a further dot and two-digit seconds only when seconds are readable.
9.41
